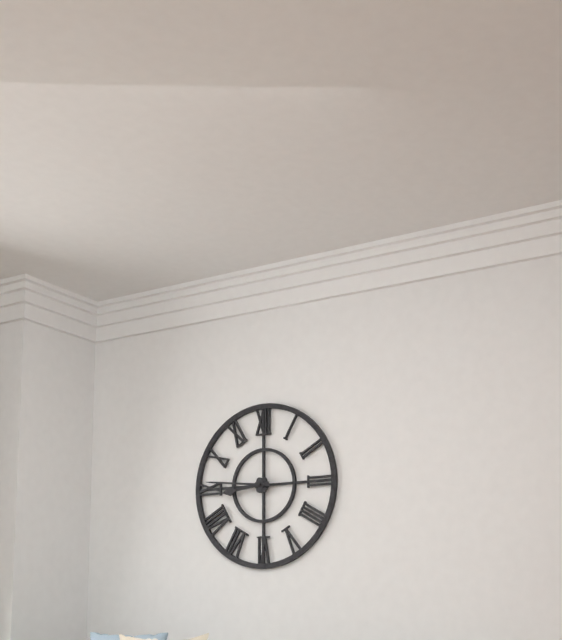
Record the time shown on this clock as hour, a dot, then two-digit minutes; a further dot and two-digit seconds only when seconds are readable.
8.46
